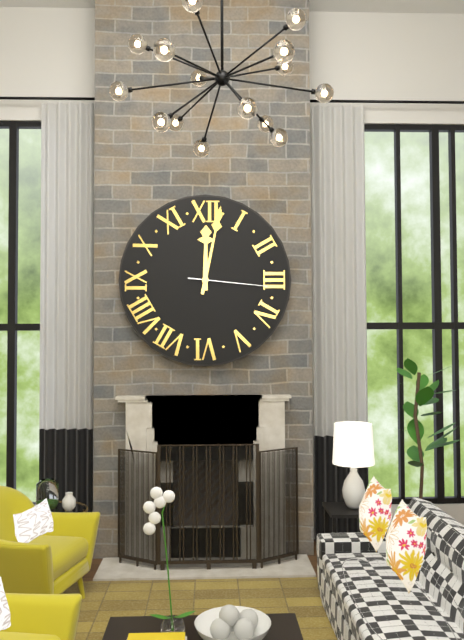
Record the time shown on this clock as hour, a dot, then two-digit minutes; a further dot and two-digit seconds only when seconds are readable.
12.02.16
